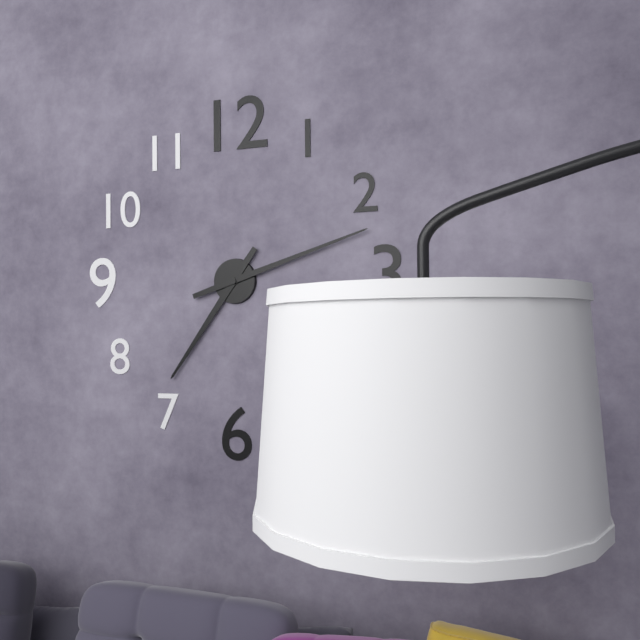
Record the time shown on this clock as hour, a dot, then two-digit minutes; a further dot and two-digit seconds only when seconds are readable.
7.12
